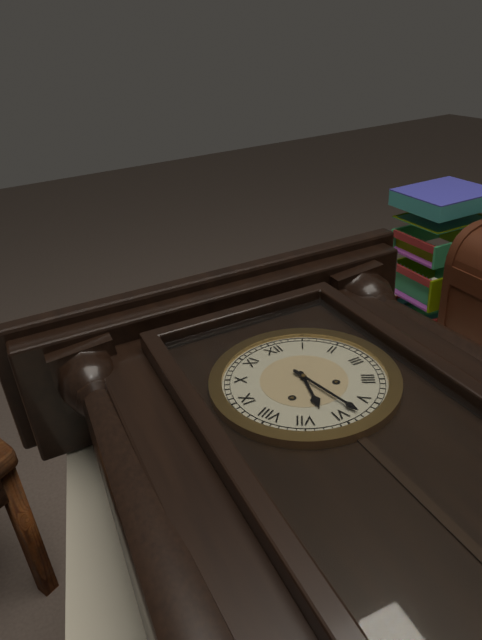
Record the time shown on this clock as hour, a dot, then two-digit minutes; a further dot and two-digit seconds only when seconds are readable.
6.28
